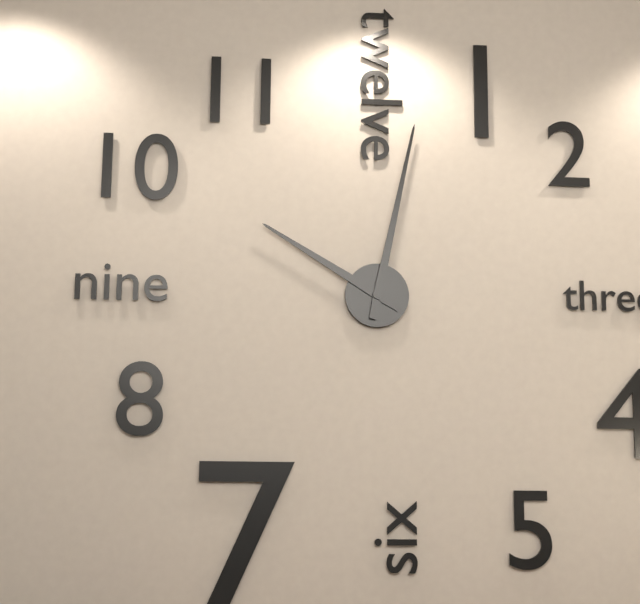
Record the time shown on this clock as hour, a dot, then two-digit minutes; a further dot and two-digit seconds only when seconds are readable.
10.02
